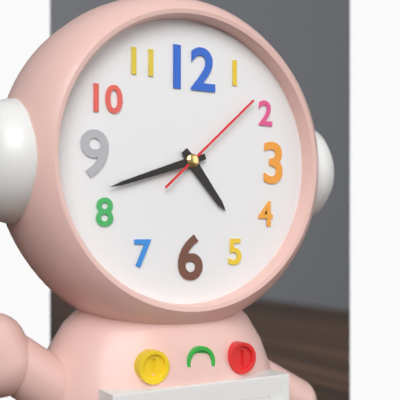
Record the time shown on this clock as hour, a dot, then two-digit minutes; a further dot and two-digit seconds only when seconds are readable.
4.42.08
